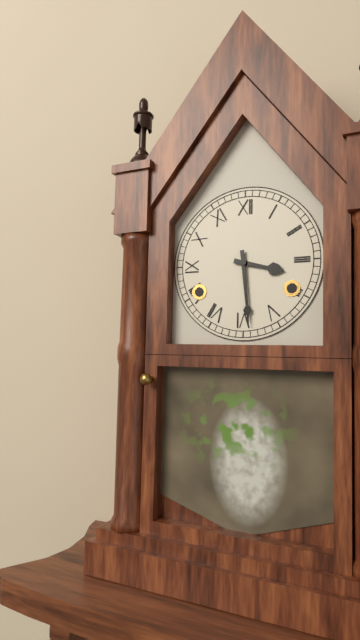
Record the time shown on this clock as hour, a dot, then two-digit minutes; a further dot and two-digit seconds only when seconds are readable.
3.29
